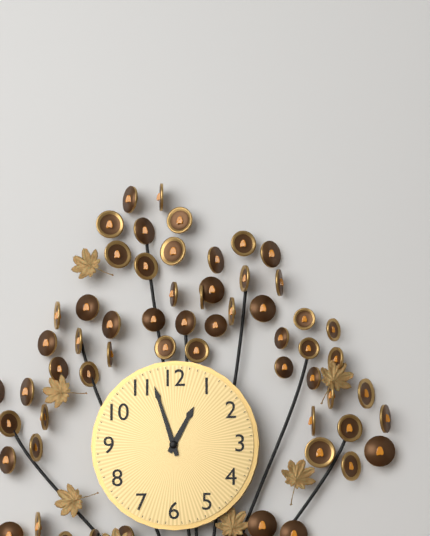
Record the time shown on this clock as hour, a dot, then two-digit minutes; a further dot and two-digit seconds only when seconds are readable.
12.57
